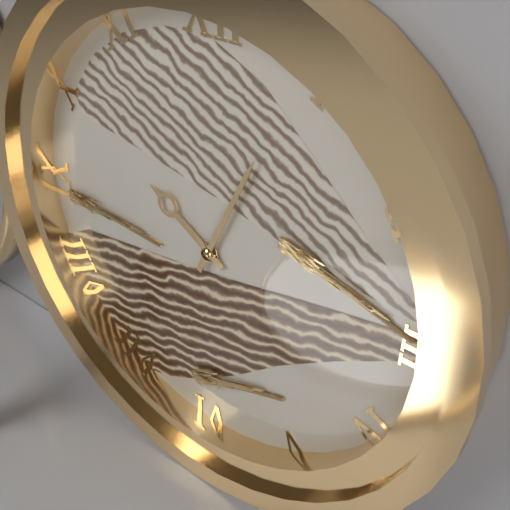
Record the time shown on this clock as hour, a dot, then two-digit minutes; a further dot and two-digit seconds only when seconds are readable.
10.04
